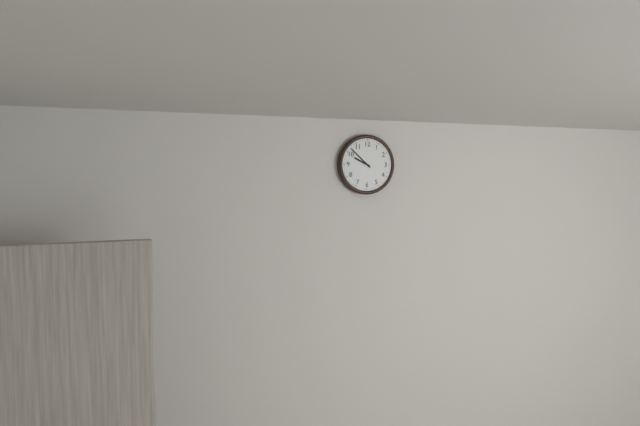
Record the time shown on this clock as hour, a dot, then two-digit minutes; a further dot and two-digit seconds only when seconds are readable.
9.52
